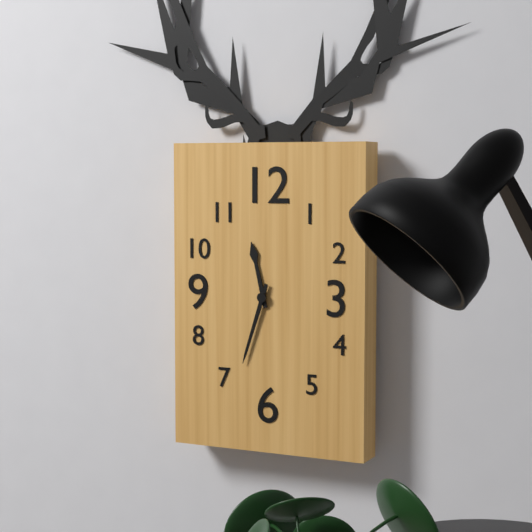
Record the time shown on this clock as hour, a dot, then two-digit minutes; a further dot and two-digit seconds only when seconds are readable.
11.33
